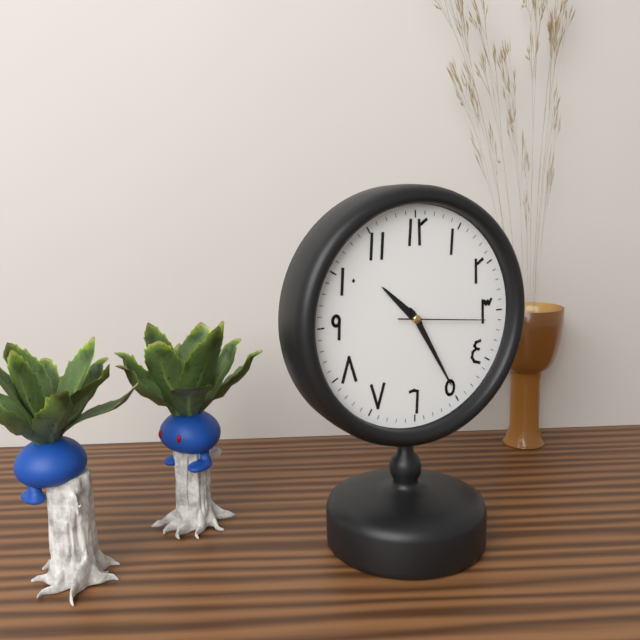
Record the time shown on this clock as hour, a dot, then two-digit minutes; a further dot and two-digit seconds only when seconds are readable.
10.25.16
